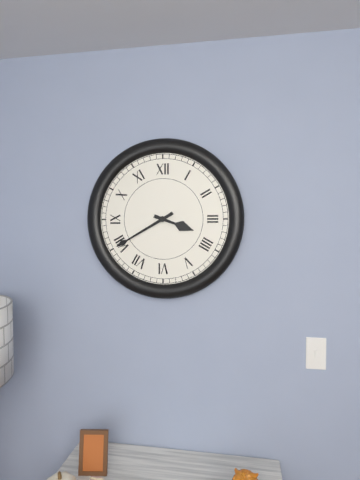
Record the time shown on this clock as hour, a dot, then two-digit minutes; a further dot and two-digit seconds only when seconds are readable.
3.40
